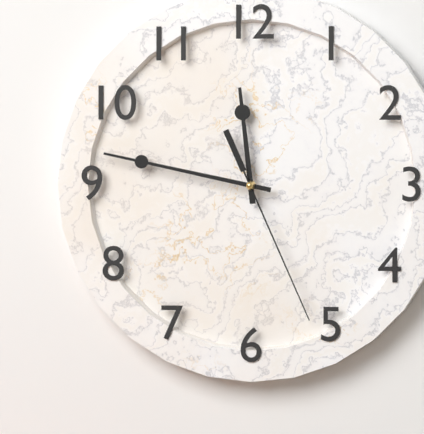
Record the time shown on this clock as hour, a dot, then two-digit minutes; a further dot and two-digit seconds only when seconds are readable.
11.47.26
